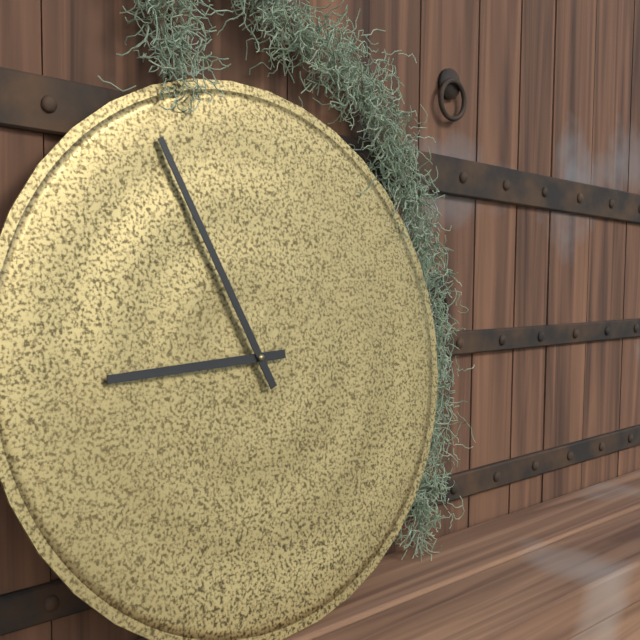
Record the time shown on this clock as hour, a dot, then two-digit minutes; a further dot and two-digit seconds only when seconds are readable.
8.56
